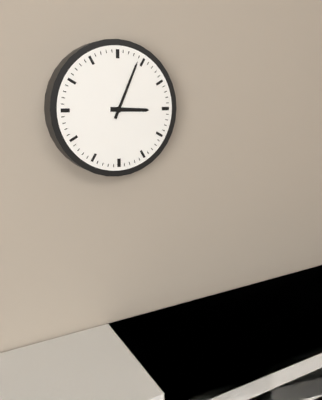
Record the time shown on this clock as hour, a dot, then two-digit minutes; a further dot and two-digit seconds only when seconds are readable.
3.04
